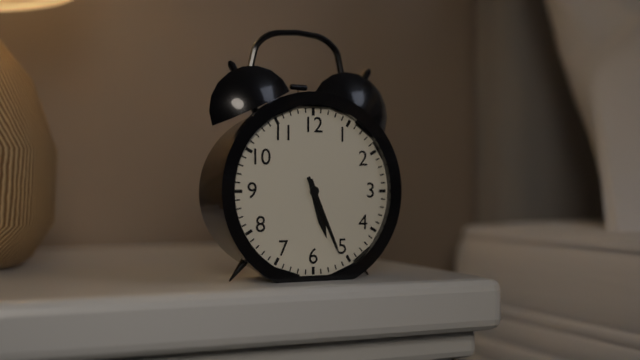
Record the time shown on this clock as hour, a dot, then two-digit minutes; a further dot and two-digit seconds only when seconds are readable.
5.26
